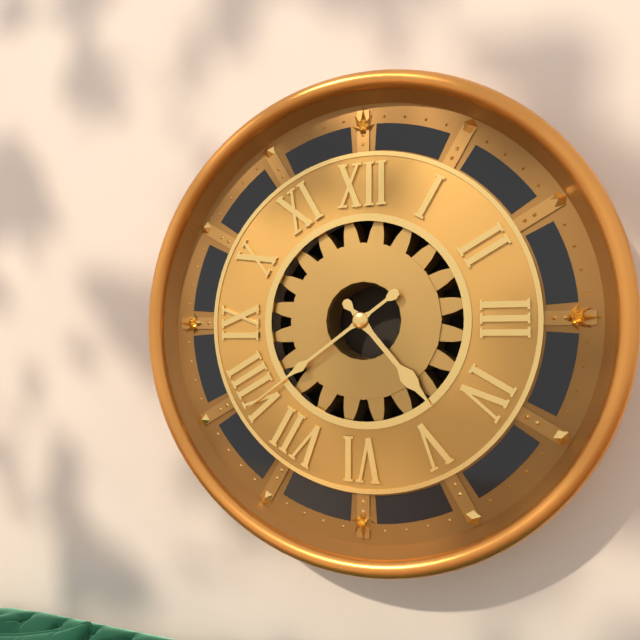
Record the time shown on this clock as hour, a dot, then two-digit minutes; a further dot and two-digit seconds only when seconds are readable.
4.39
